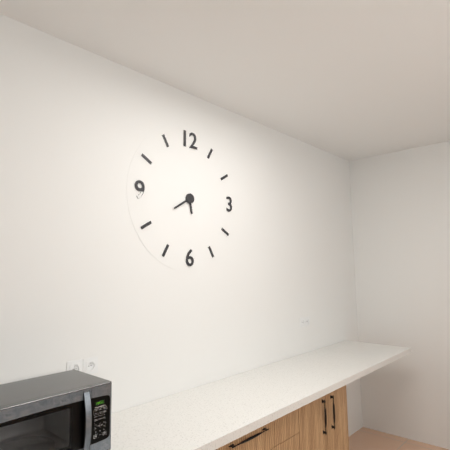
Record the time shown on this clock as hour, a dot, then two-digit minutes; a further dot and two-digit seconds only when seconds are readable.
5.40
